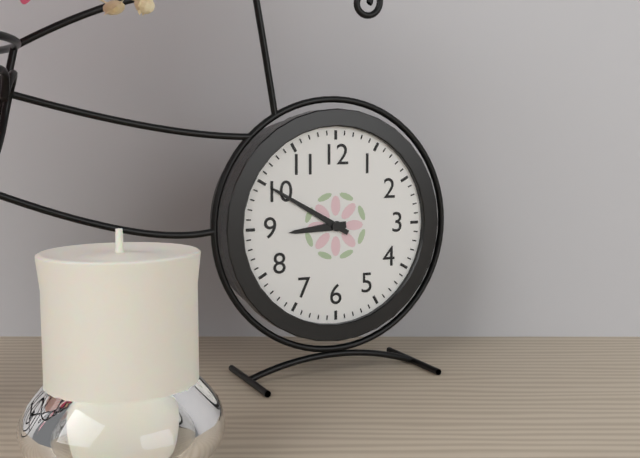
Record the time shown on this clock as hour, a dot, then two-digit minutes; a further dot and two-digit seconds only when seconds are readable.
8.50
